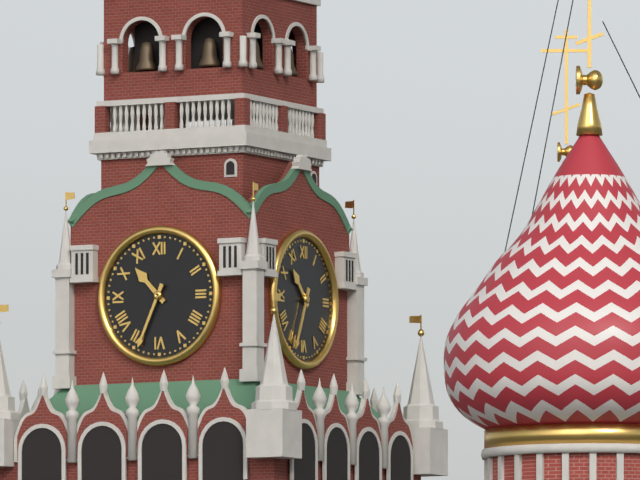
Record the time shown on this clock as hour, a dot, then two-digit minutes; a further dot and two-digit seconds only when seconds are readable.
10.34
